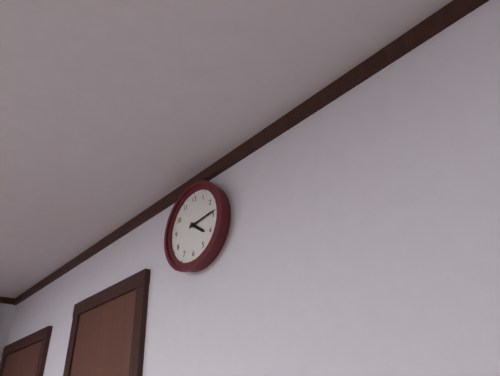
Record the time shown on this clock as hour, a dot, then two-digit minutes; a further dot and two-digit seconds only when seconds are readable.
4.14
